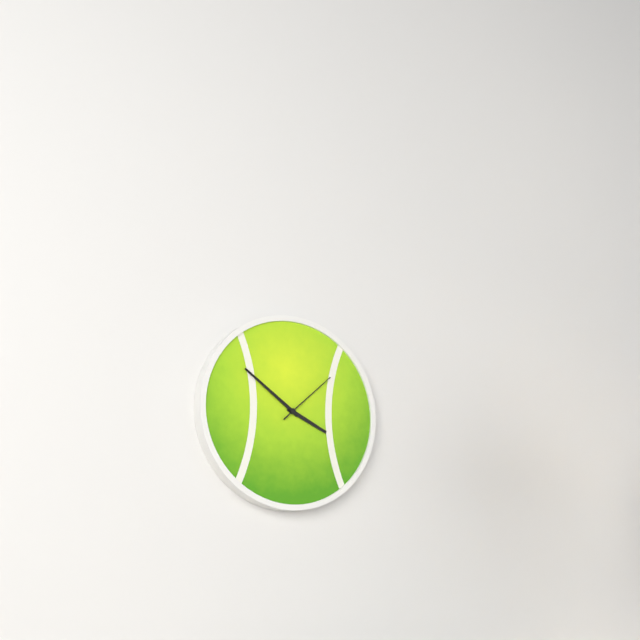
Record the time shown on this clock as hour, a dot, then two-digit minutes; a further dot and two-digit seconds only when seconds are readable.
3.51.08
